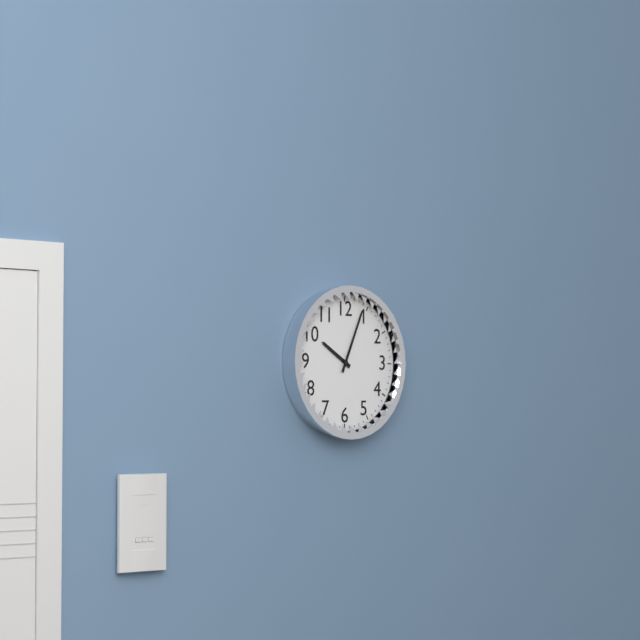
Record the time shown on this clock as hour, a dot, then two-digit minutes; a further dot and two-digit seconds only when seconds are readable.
10.04
